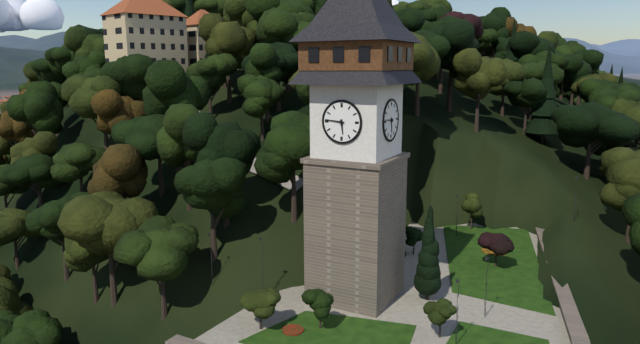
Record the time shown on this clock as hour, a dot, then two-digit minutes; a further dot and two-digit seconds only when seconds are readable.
5.46
